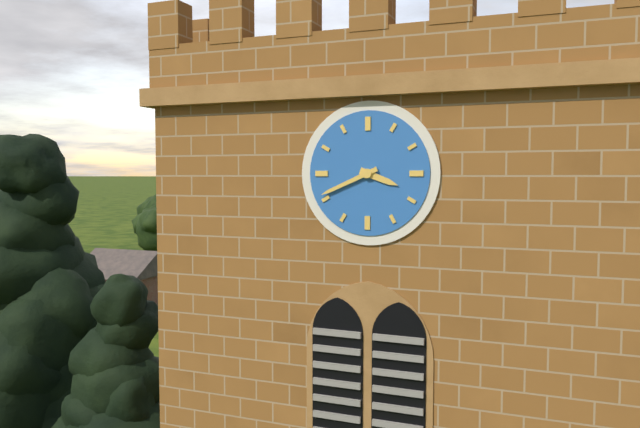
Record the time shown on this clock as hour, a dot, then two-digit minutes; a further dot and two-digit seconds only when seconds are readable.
3.41
